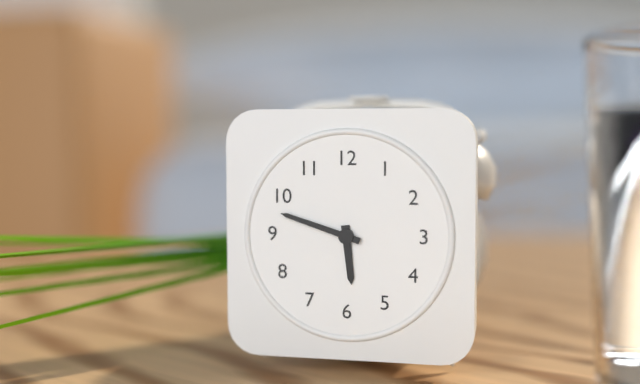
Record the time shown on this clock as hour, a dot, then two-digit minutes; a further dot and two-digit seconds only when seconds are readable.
5.48
